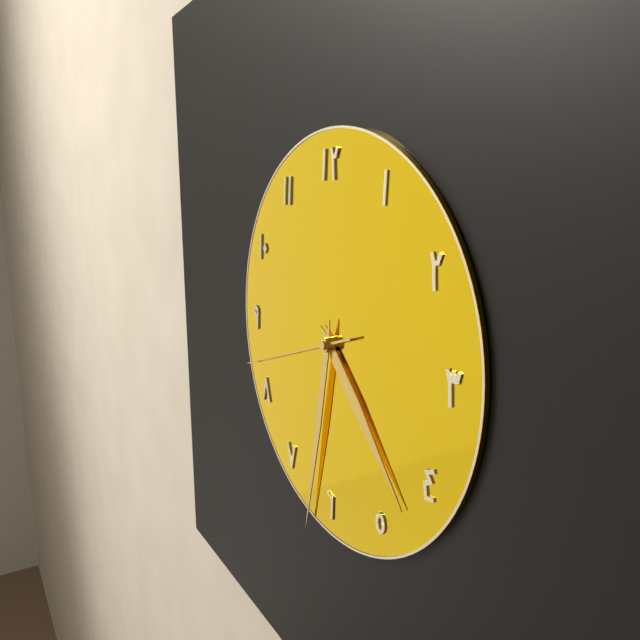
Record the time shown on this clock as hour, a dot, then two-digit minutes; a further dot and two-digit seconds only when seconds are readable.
4.32.42
